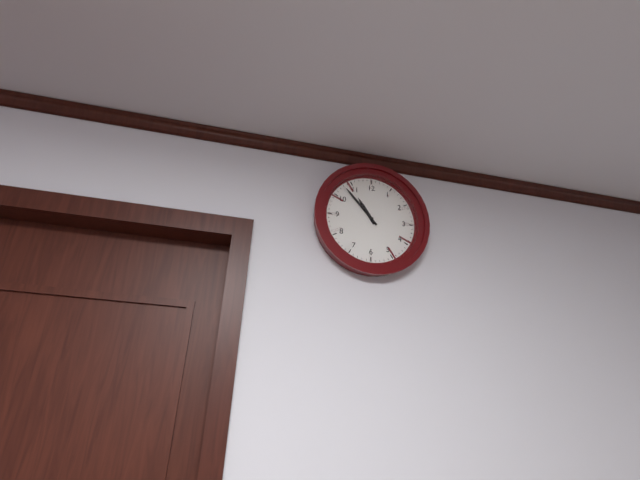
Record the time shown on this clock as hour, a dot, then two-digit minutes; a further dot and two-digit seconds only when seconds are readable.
10.53
